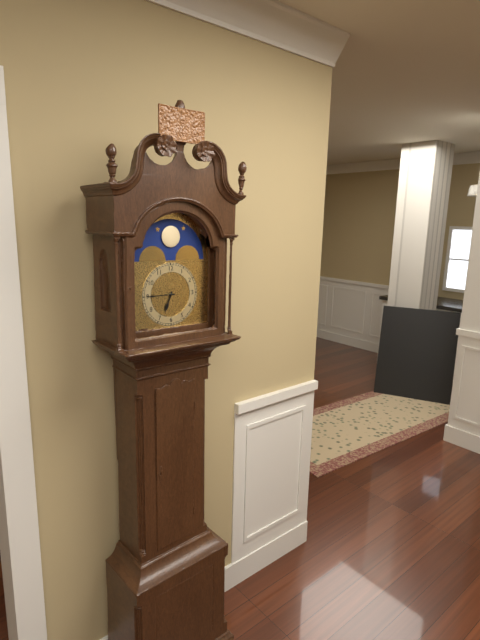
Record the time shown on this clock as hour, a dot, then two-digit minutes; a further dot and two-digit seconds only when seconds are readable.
6.45
